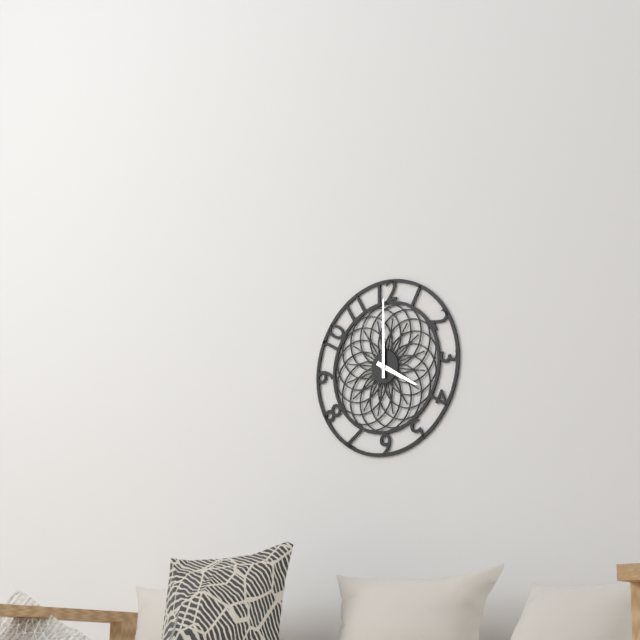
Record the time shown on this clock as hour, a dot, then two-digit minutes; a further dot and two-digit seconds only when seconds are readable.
4.00
